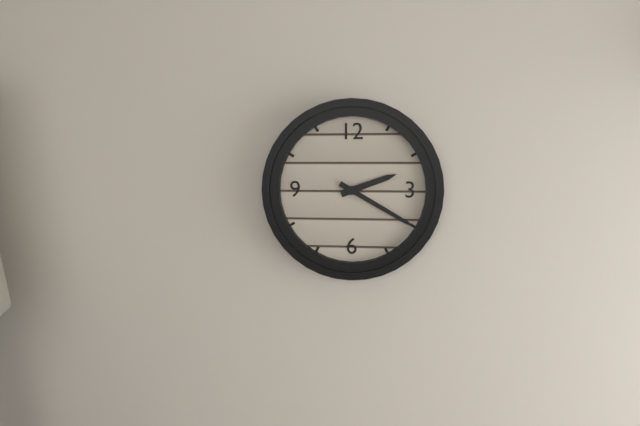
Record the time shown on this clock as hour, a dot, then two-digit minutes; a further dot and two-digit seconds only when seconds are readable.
2.20
